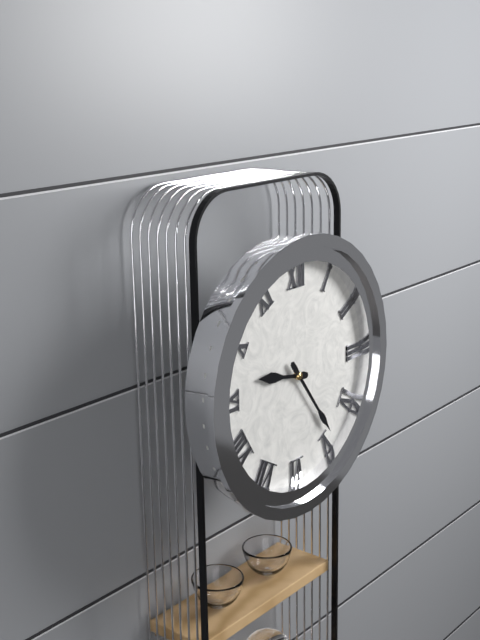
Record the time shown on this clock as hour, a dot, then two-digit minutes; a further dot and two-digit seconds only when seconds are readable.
9.24
